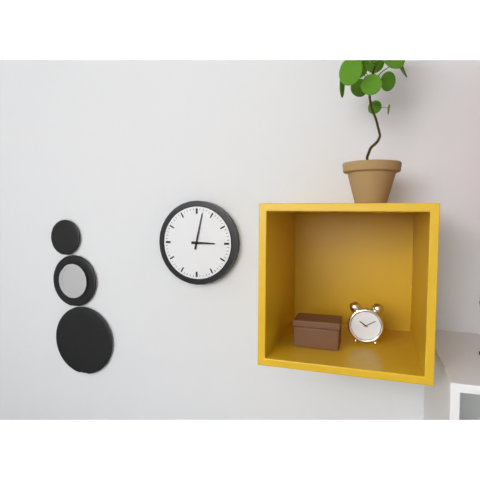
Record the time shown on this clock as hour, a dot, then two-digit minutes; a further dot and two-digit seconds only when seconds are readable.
3.02
